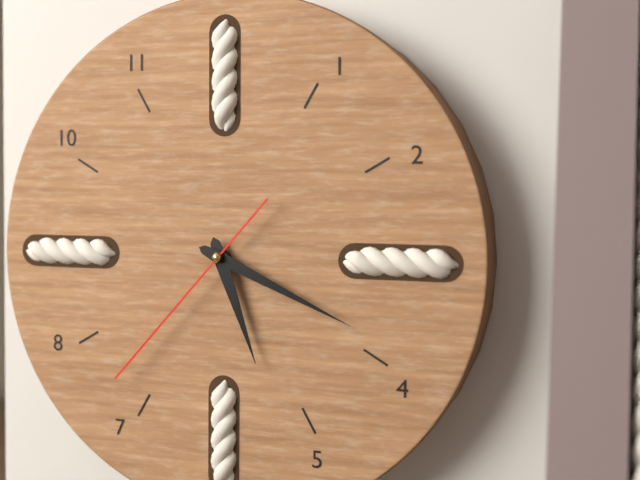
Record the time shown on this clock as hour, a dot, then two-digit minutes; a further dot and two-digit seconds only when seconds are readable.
5.19.37
